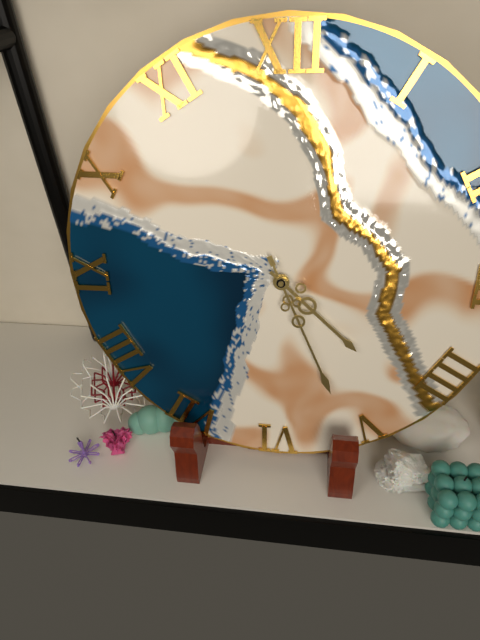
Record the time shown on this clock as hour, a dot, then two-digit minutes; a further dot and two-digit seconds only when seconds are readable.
4.26
